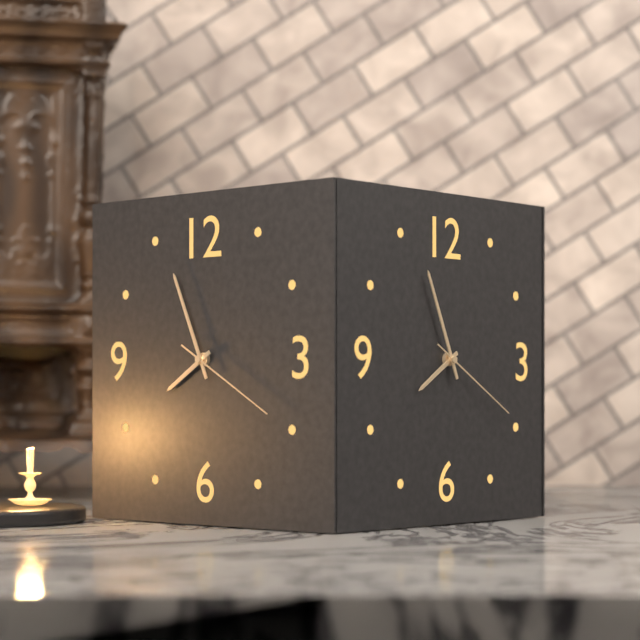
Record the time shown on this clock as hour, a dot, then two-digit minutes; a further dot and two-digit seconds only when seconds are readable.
7.56.20
